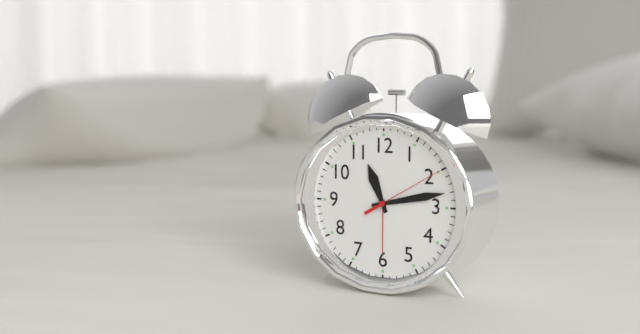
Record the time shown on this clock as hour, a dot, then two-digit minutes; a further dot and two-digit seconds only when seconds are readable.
11.13.10
